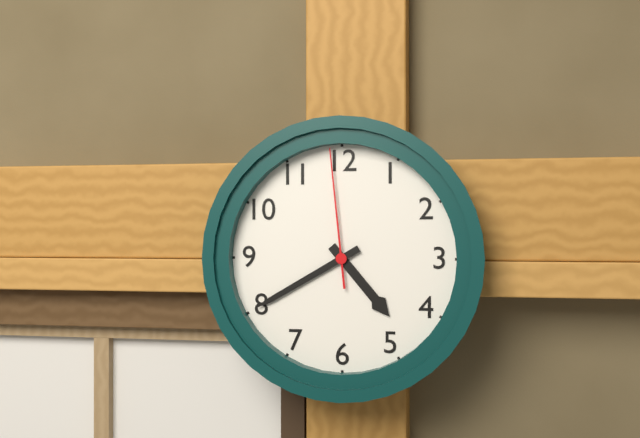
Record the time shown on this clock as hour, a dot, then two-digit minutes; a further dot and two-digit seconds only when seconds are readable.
4.40.59
